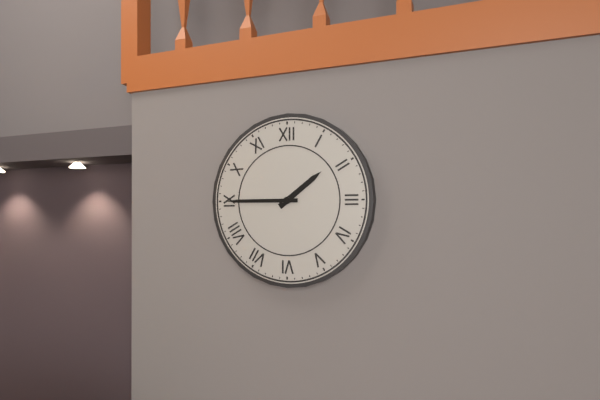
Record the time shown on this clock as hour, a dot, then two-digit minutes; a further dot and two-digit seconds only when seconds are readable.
1.45
